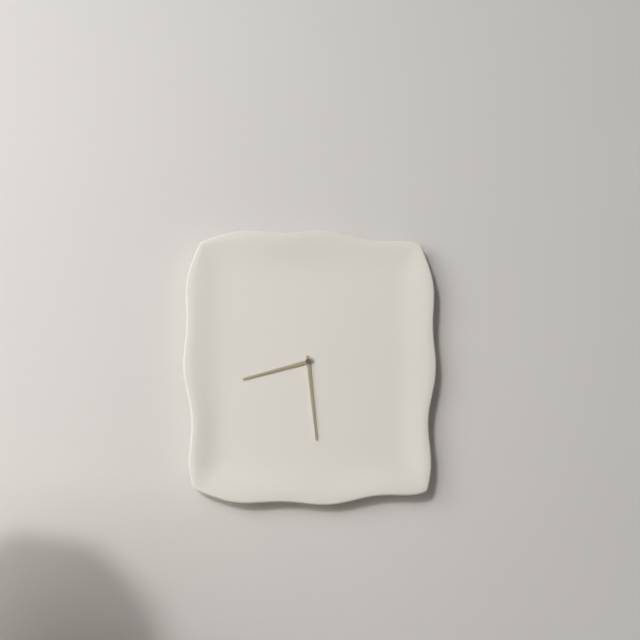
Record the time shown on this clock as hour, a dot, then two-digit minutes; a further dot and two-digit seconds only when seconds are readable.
8.29
